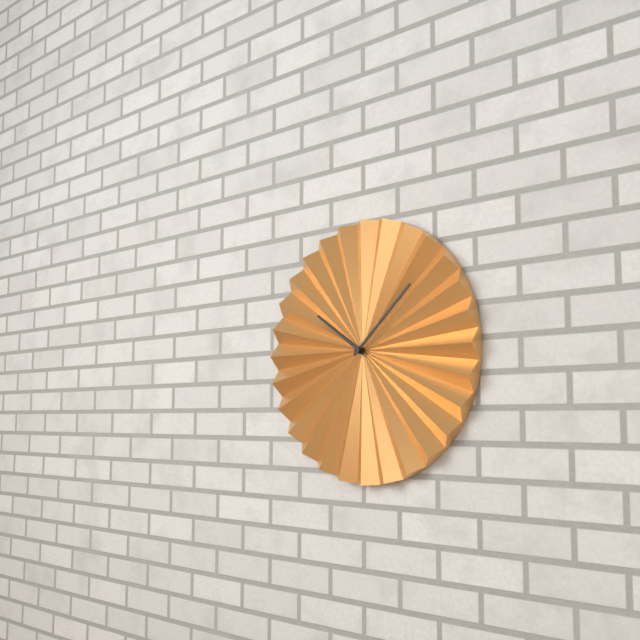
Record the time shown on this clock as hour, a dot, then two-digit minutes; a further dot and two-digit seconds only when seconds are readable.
10.08
